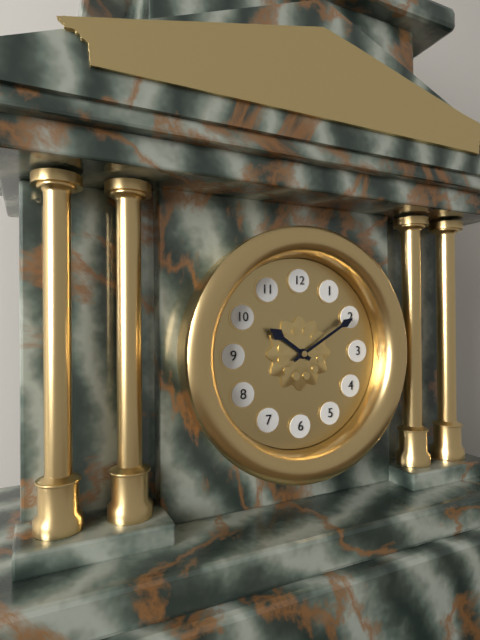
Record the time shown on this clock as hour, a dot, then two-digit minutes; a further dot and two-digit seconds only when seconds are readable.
10.10
